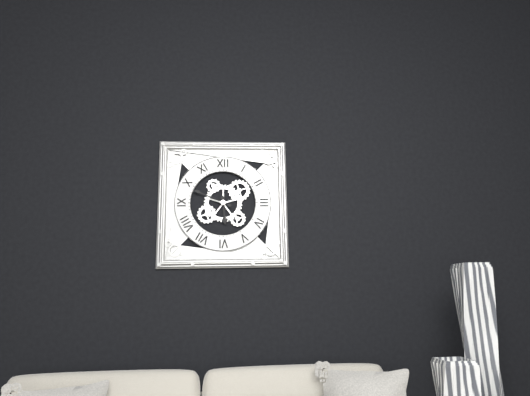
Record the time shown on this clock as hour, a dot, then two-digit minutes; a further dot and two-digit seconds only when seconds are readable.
5.49
